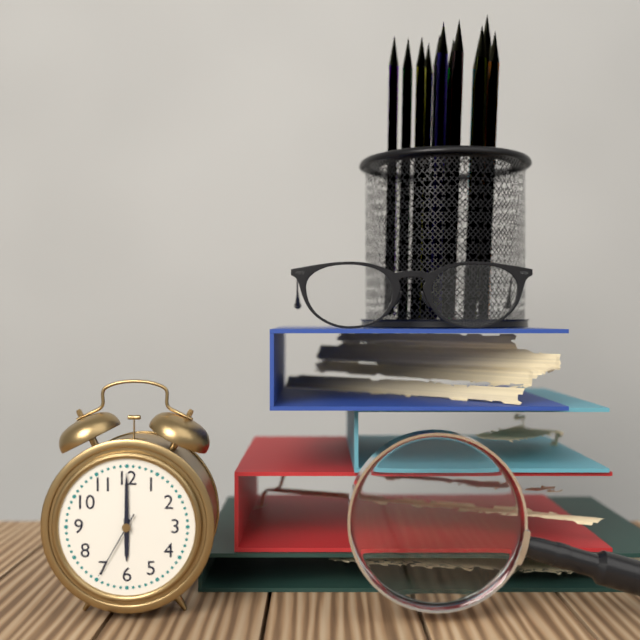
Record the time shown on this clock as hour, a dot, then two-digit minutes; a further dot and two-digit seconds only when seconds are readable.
6.00.35
